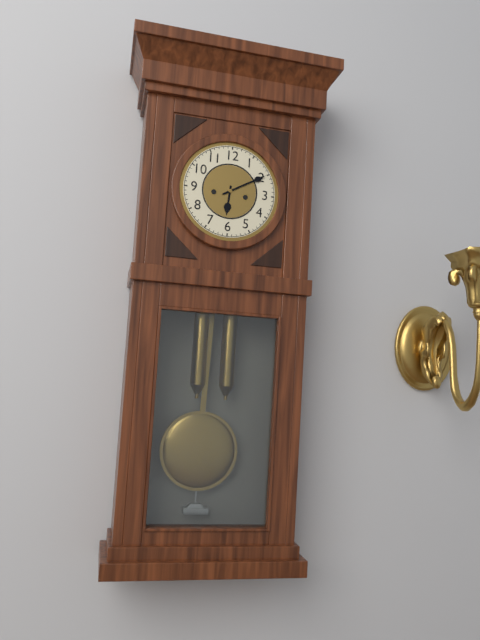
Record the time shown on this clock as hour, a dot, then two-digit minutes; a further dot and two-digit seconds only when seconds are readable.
6.10
